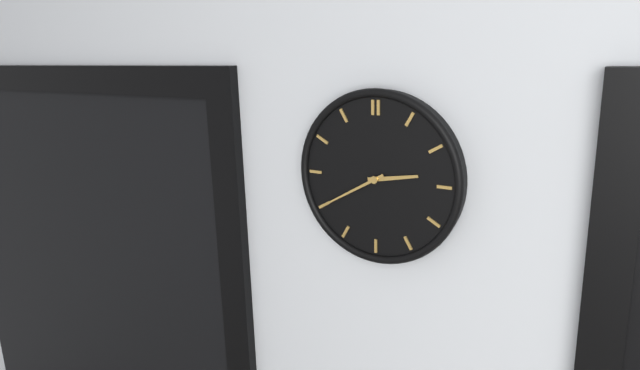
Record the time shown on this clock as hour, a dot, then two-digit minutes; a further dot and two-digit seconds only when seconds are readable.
2.40
